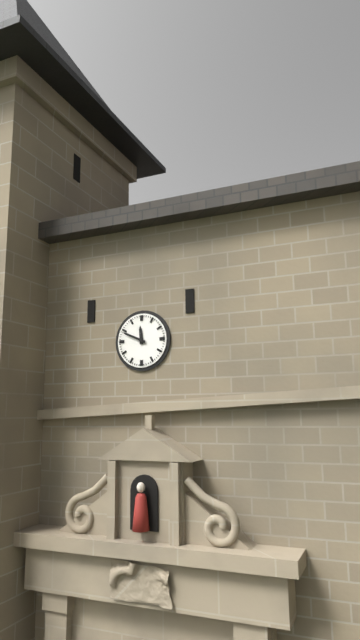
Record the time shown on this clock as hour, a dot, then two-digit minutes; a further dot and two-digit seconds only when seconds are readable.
11.49
